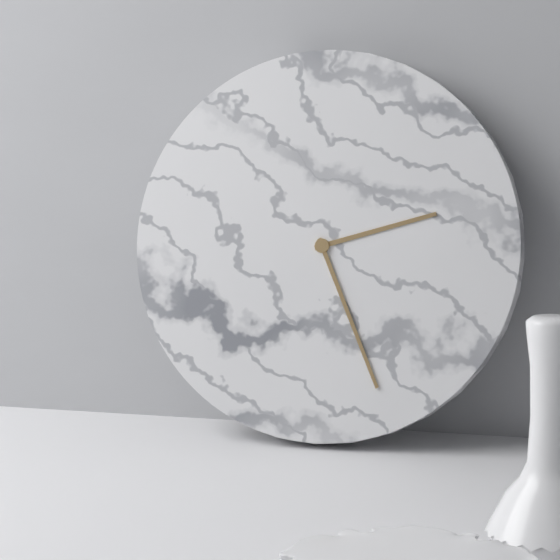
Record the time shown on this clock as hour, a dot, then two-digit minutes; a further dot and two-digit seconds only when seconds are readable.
2.26
